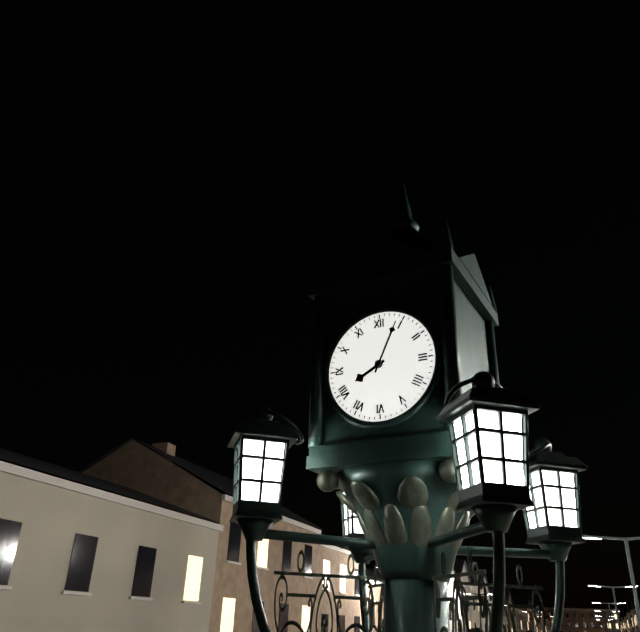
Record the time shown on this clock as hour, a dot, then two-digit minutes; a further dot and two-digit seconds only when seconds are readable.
8.04
